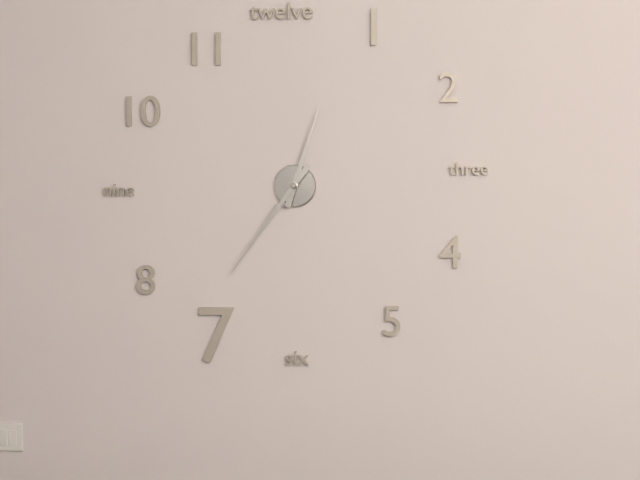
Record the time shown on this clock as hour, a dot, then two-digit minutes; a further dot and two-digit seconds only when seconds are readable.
12.36
